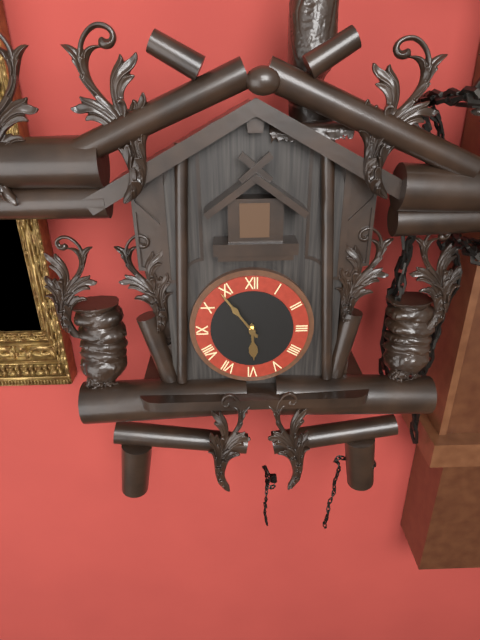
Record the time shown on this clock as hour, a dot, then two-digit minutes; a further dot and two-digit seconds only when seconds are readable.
5.54
